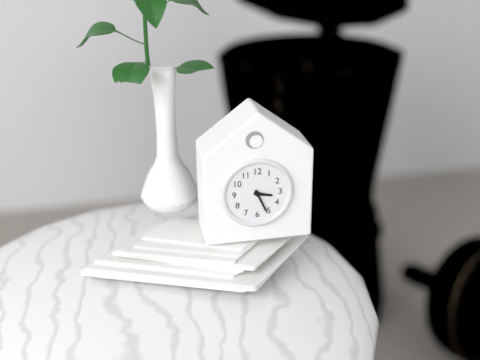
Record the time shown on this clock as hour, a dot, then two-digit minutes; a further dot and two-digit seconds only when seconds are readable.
3.26
